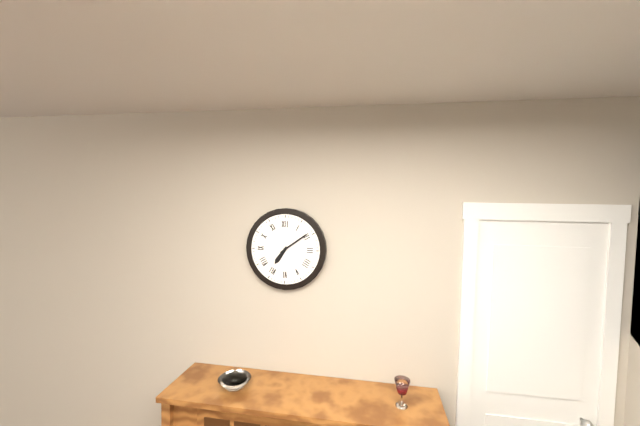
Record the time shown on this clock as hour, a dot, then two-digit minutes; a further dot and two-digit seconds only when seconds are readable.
7.09
